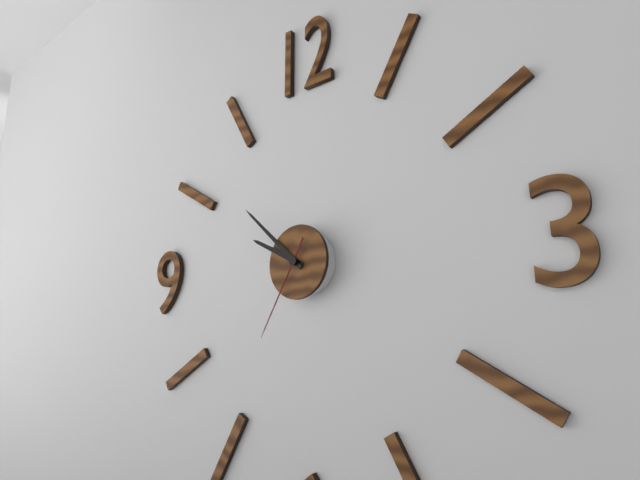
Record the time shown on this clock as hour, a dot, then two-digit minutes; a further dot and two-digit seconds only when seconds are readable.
9.52.35
